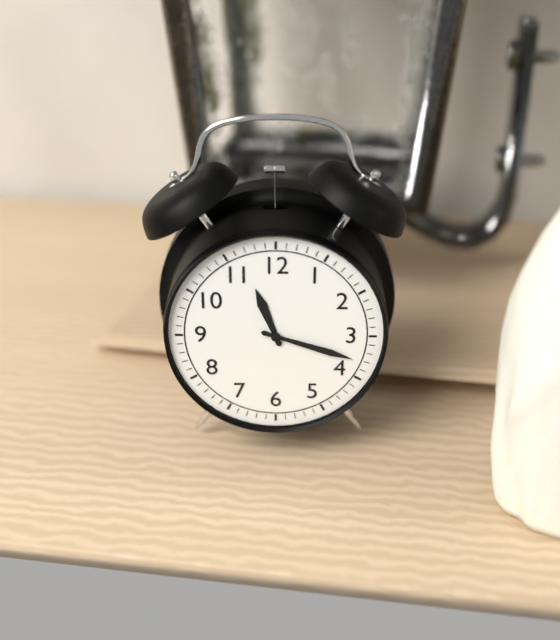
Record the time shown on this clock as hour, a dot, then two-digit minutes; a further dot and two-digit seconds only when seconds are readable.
11.18
